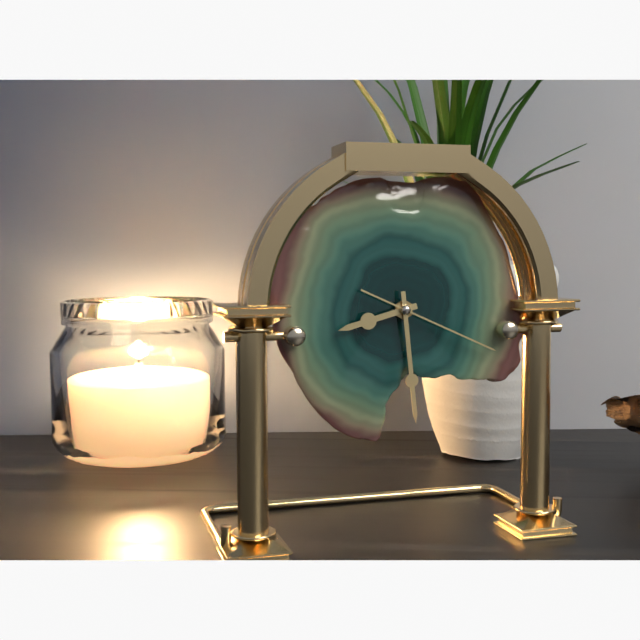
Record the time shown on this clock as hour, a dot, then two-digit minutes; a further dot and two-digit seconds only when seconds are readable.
8.29.19
